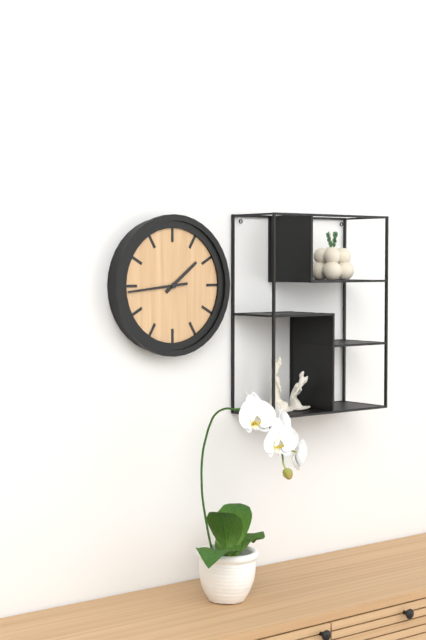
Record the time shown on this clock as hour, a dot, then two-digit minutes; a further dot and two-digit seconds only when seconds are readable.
1.44
